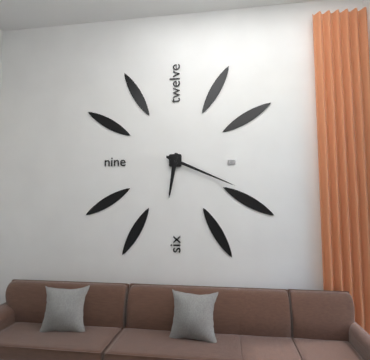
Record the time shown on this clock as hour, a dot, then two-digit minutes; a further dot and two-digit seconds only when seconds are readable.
6.19
